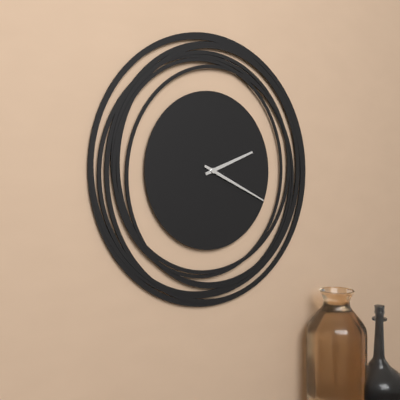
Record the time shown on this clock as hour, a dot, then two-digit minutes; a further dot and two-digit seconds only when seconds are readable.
2.19
